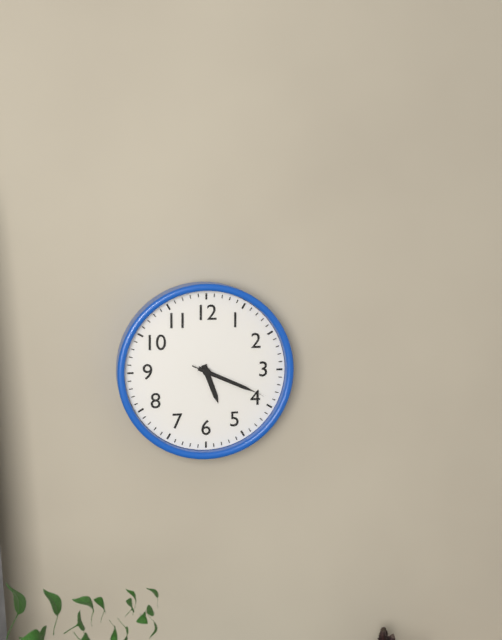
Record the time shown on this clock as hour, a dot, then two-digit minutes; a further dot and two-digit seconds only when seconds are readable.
5.19.19
